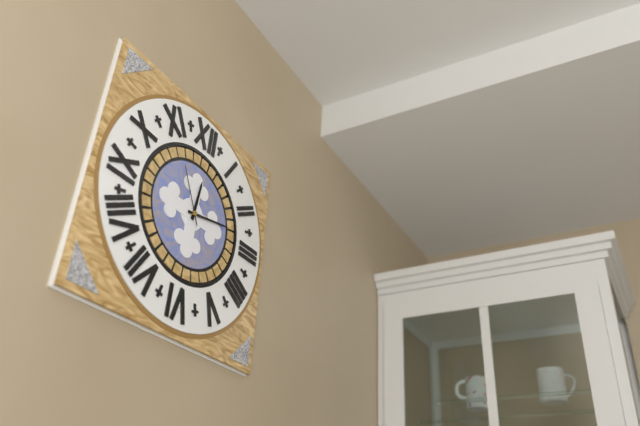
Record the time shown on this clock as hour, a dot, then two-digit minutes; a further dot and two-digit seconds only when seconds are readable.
12.13.55
